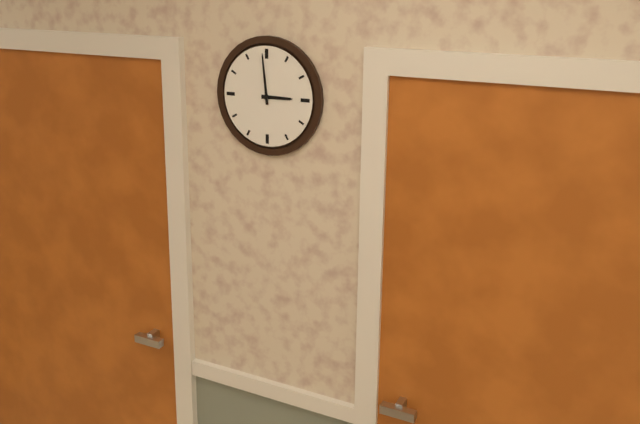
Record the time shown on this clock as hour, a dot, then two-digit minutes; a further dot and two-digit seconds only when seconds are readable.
2.59
